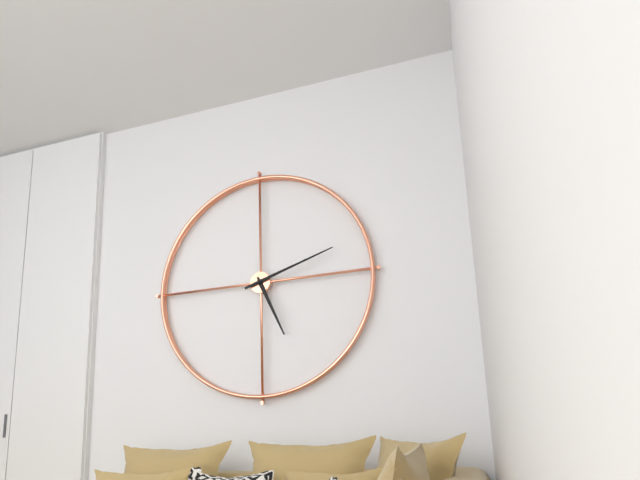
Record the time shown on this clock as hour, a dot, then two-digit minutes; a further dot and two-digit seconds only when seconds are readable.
5.12
